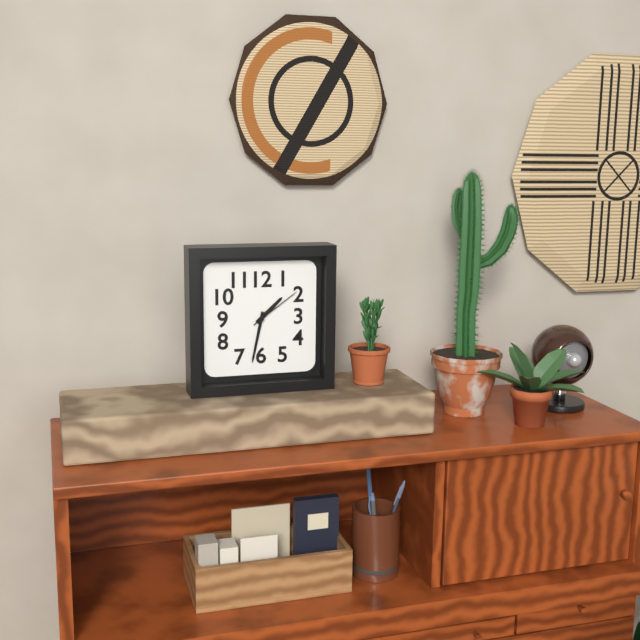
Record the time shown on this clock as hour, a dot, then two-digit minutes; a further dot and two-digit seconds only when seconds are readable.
1.32.09
